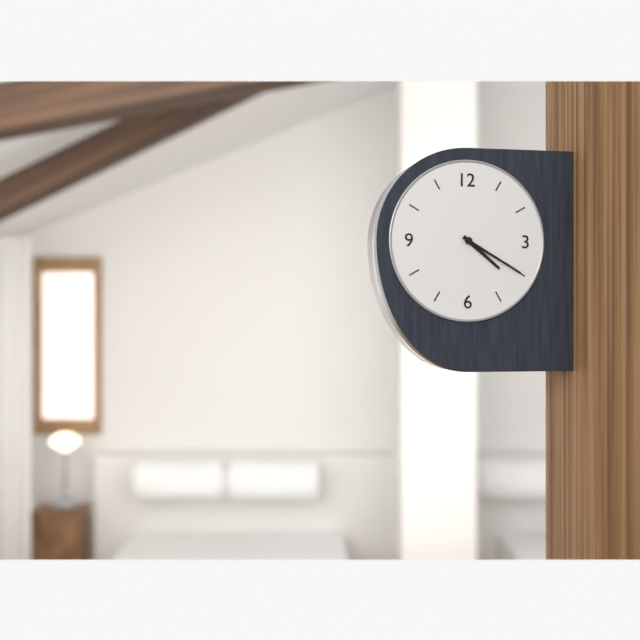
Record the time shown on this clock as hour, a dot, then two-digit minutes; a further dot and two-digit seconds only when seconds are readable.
4.20
